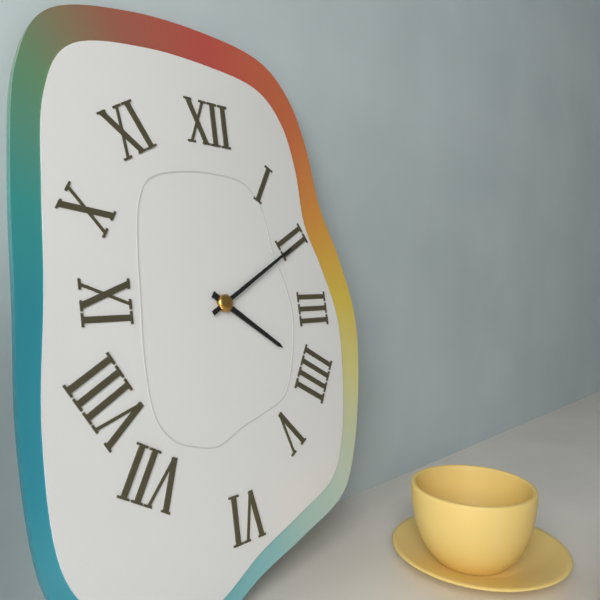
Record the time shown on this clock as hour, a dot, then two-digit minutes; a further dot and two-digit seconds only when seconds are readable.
4.10
